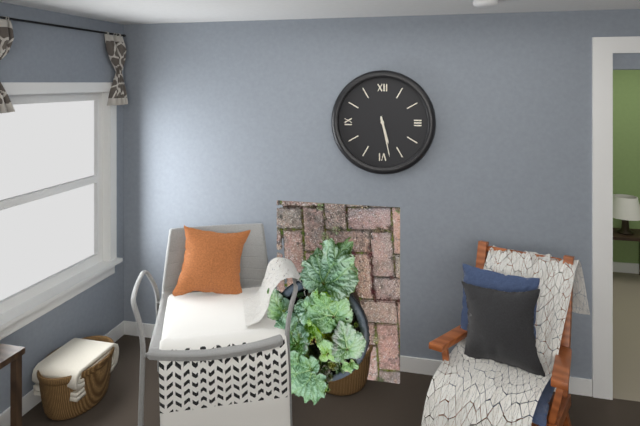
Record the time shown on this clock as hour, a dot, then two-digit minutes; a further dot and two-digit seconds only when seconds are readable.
5.28
